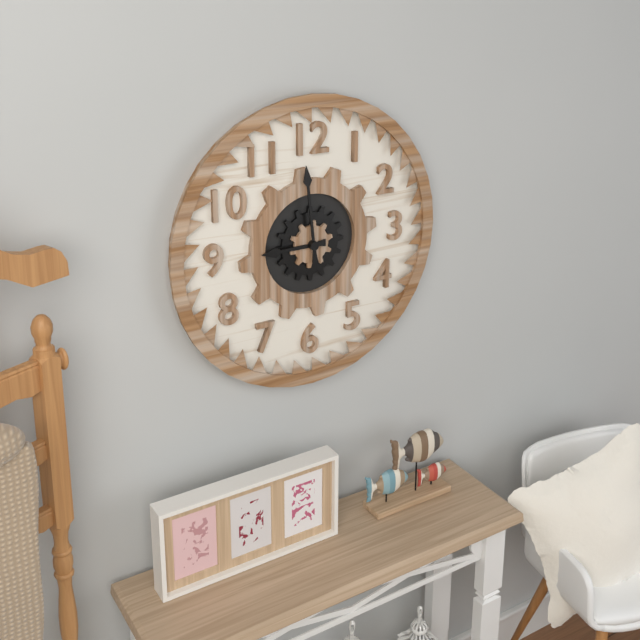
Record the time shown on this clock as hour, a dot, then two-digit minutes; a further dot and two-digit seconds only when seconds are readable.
8.59
